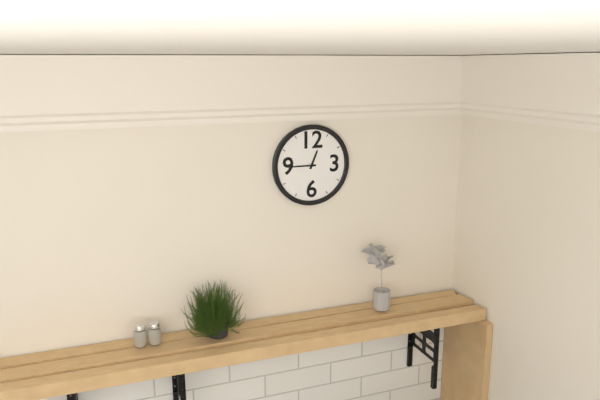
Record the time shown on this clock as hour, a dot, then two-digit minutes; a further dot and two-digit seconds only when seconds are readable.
12.45
